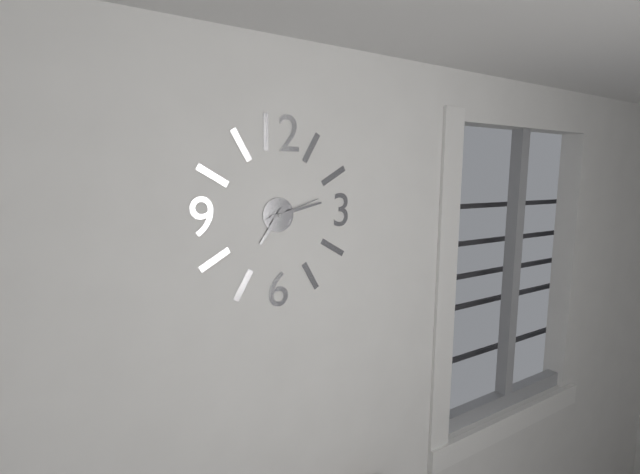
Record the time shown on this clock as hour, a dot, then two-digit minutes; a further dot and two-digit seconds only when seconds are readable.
7.13.12
